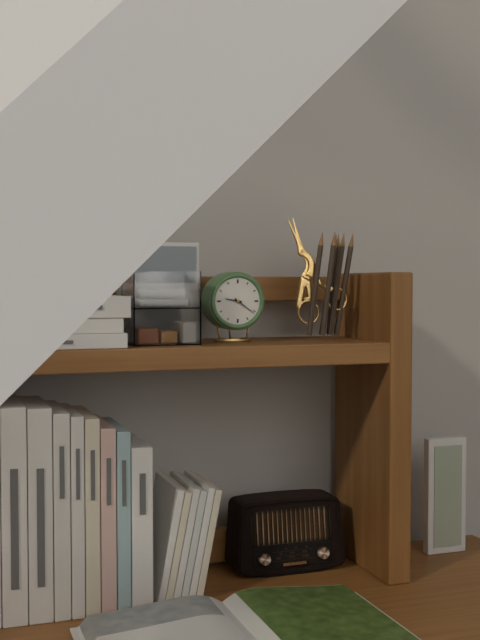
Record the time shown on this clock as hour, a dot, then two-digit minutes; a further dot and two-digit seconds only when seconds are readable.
9.21
